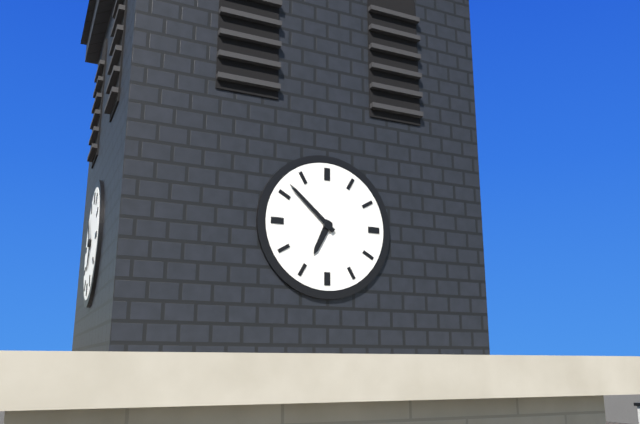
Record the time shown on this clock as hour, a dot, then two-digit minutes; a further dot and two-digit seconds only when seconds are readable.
6.52
